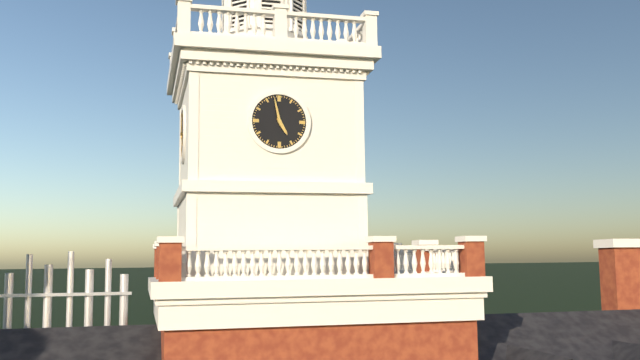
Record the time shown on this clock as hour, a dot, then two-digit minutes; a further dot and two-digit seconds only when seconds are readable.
4.58
